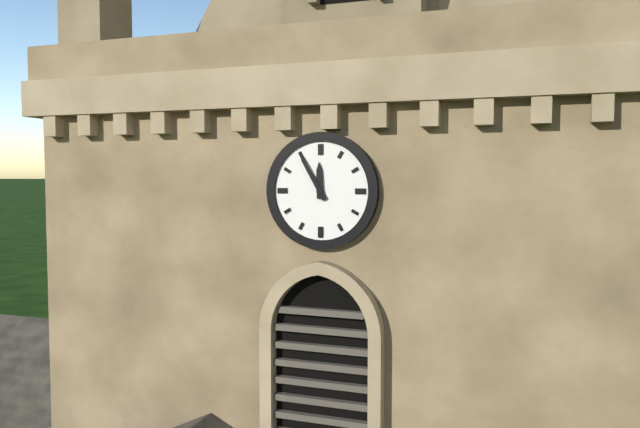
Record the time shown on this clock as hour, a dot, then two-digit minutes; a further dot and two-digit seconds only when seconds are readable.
11.55
